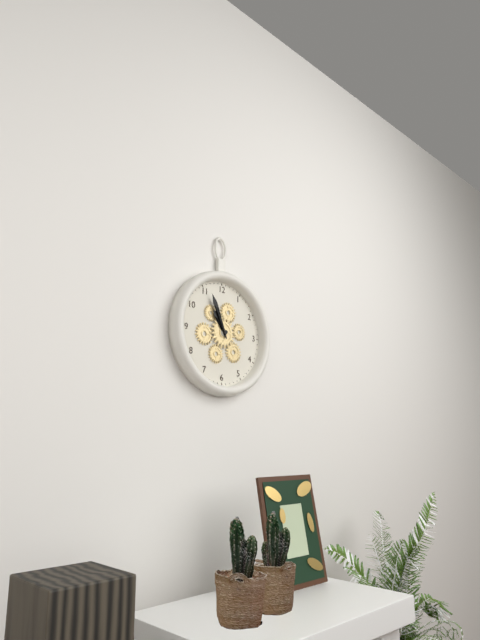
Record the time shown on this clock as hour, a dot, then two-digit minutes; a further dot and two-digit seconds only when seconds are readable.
10.56
